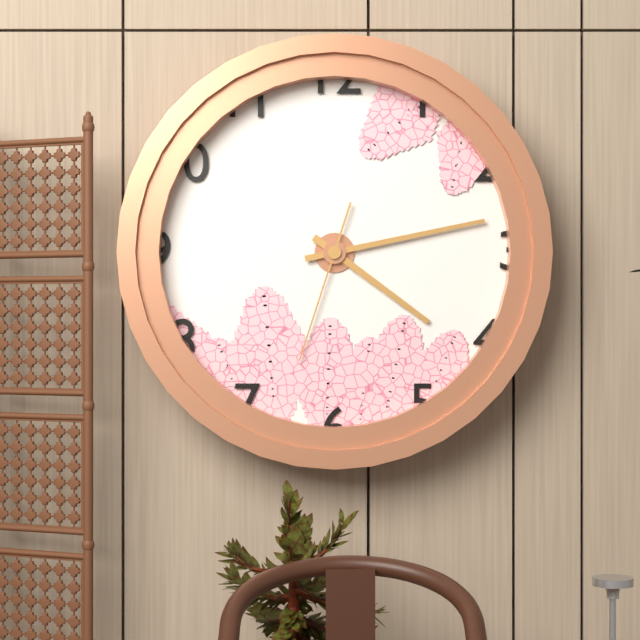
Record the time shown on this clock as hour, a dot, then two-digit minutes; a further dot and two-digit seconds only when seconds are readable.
4.13.33
